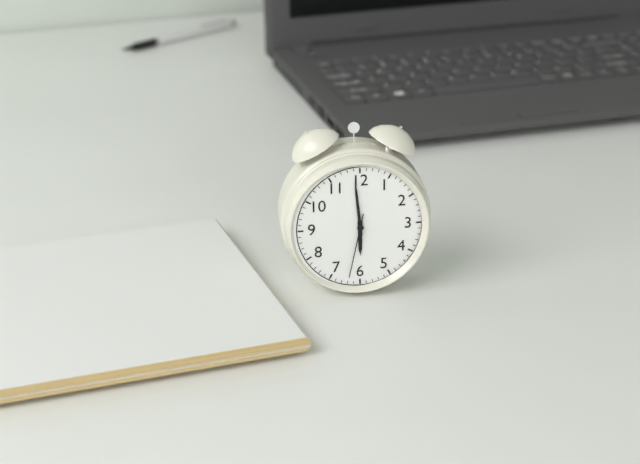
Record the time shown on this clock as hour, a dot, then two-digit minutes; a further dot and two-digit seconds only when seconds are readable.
5.59.32
